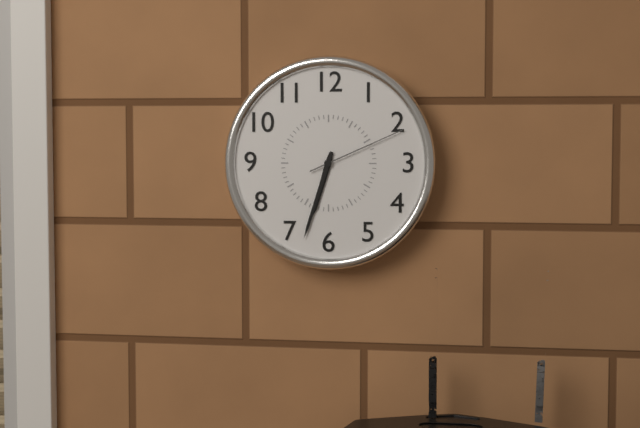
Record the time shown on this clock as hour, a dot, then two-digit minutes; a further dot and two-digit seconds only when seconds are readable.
6.33.11
